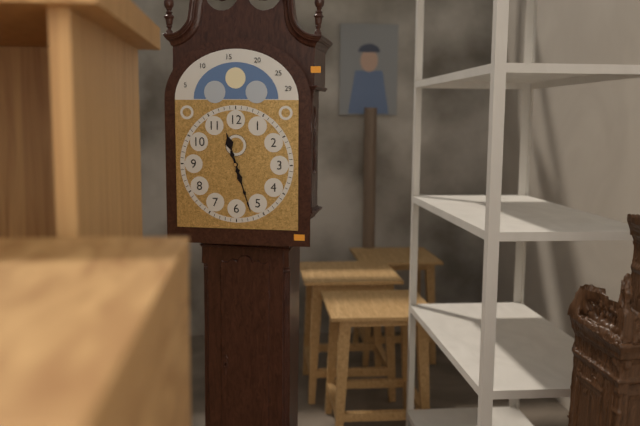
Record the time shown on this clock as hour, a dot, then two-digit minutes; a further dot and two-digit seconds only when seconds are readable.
11.27
